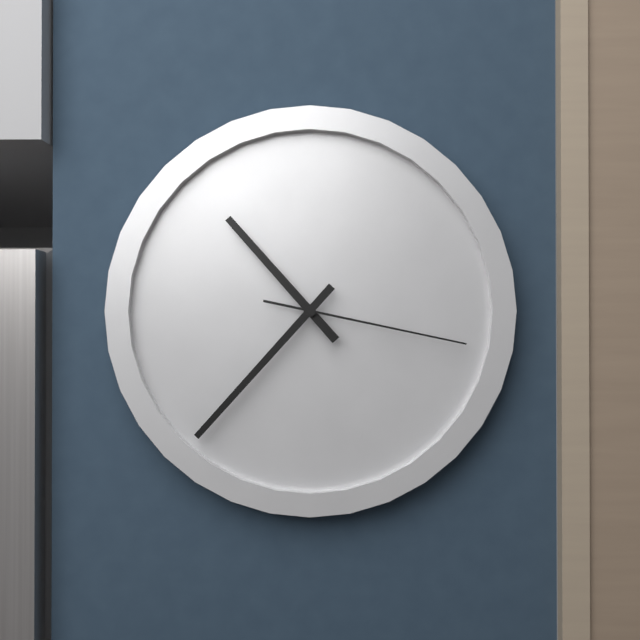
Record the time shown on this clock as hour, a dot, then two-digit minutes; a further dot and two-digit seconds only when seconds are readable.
10.37.17
